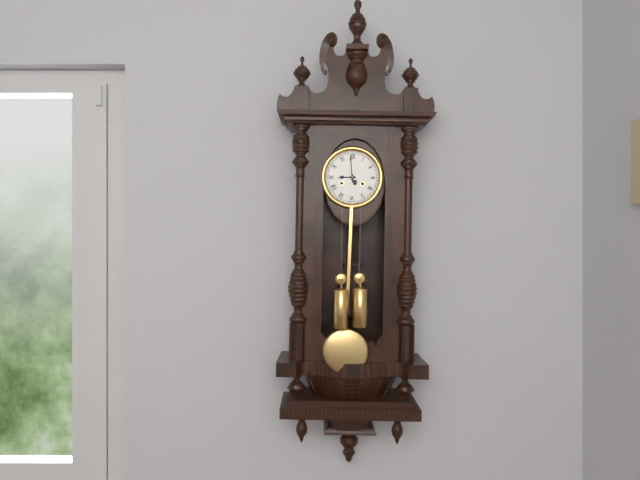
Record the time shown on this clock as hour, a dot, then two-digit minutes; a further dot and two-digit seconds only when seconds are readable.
8.59
